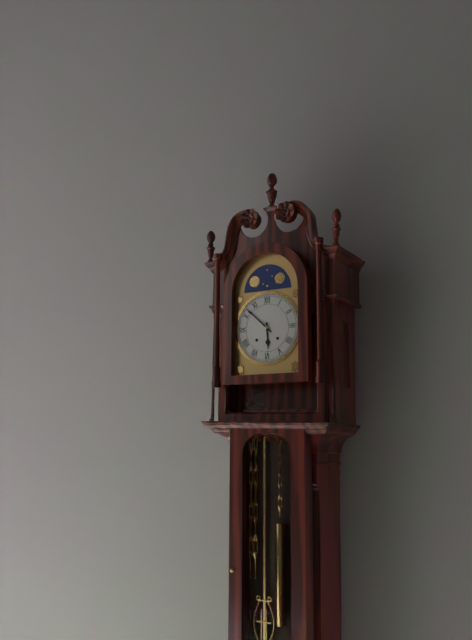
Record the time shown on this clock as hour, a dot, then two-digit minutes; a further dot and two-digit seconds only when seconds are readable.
5.52
